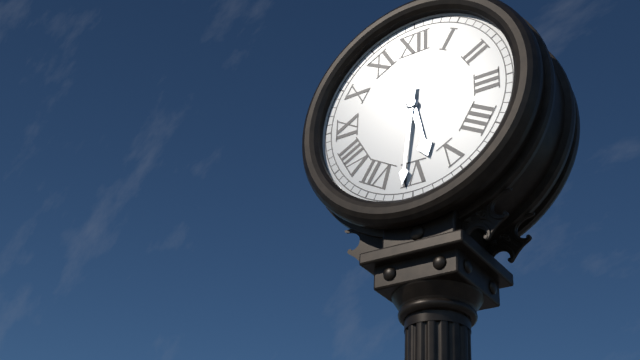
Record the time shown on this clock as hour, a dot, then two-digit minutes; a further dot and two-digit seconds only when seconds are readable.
5.31
